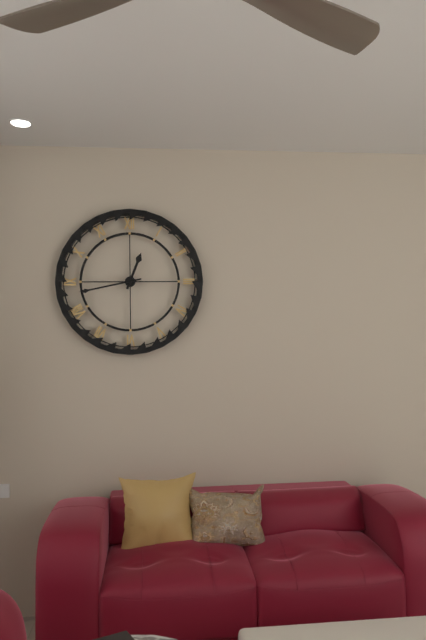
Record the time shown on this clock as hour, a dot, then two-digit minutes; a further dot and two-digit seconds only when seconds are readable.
12.43
